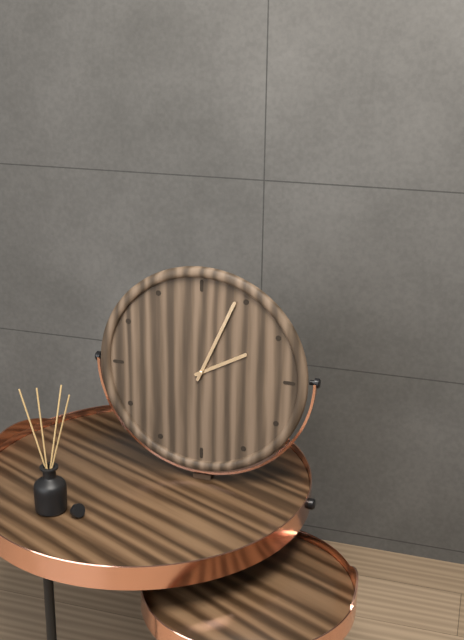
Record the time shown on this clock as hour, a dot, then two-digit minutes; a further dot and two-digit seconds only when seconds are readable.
2.04
